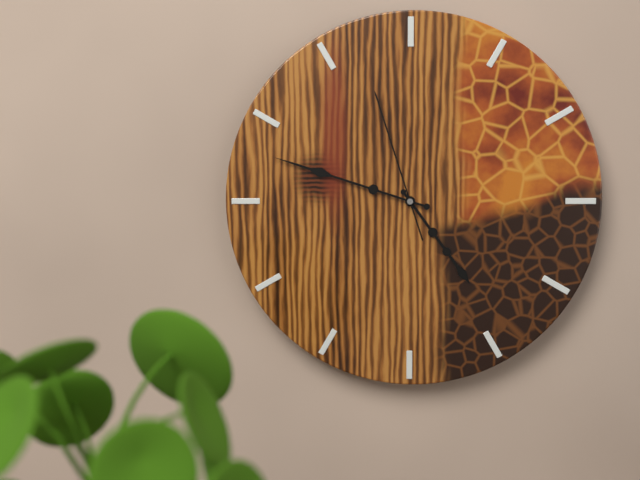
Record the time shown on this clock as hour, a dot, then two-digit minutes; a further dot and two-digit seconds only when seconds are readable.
4.48.57
